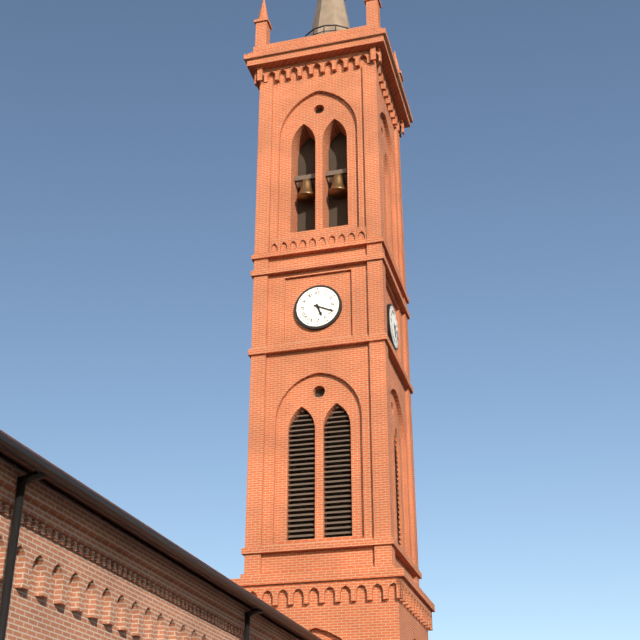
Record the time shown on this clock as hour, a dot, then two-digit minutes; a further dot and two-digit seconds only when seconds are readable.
5.19
